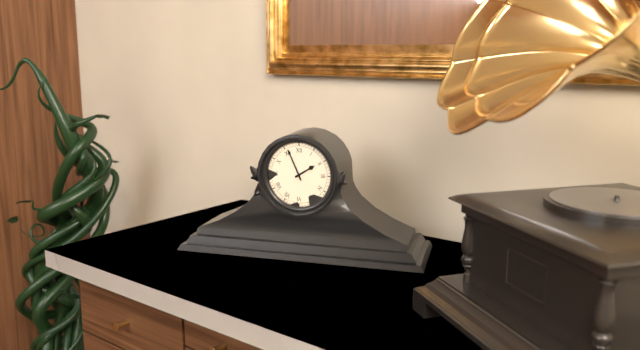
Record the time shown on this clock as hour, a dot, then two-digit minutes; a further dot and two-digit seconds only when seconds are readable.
1.56
